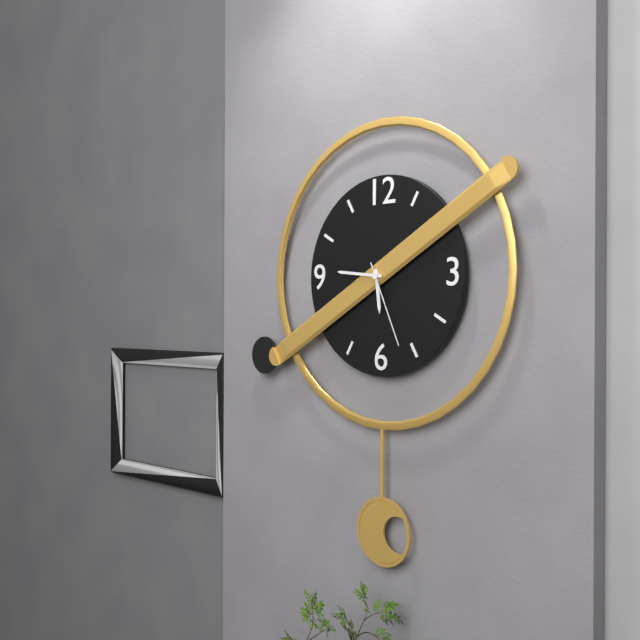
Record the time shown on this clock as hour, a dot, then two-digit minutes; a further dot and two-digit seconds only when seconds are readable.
5.46.26
